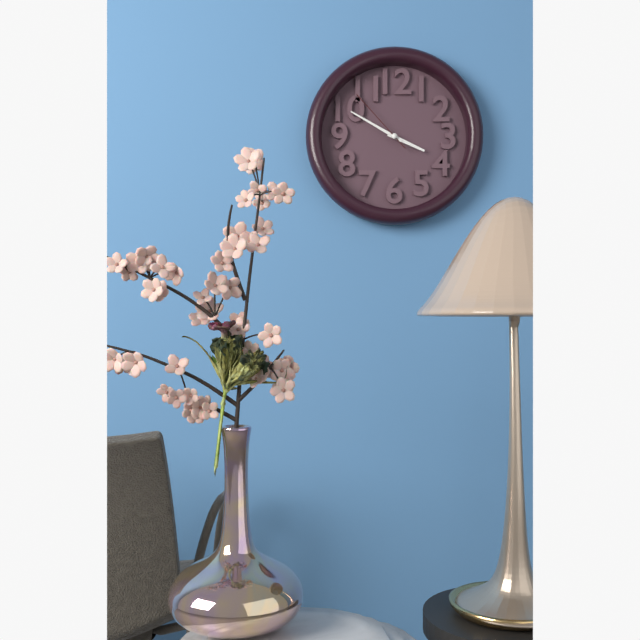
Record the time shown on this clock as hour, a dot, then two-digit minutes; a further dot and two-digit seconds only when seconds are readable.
3.50.53
